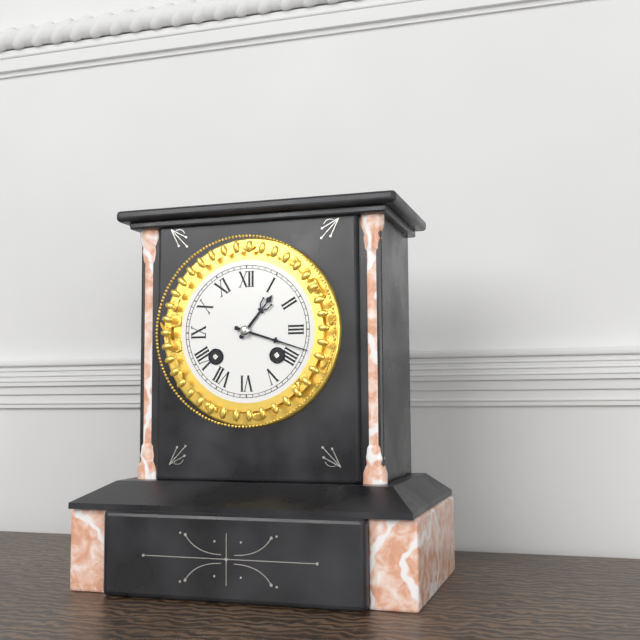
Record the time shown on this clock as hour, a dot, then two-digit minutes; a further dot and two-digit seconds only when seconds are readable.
1.18
